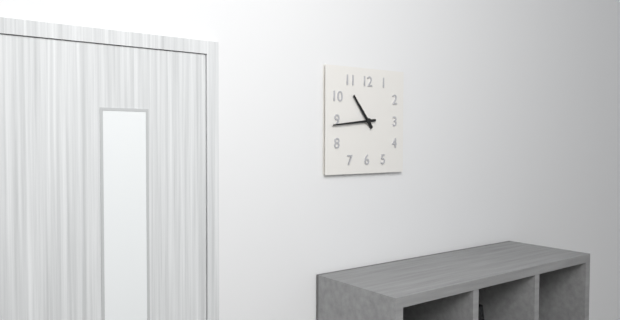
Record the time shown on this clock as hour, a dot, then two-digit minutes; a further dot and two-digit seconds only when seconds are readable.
10.44
